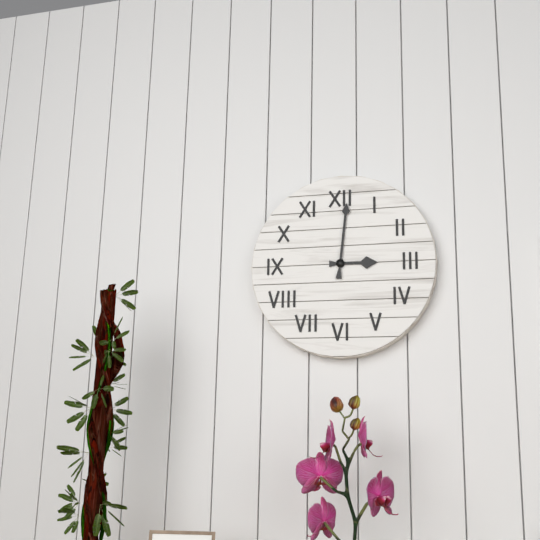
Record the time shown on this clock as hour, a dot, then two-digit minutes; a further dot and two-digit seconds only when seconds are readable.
3.01
